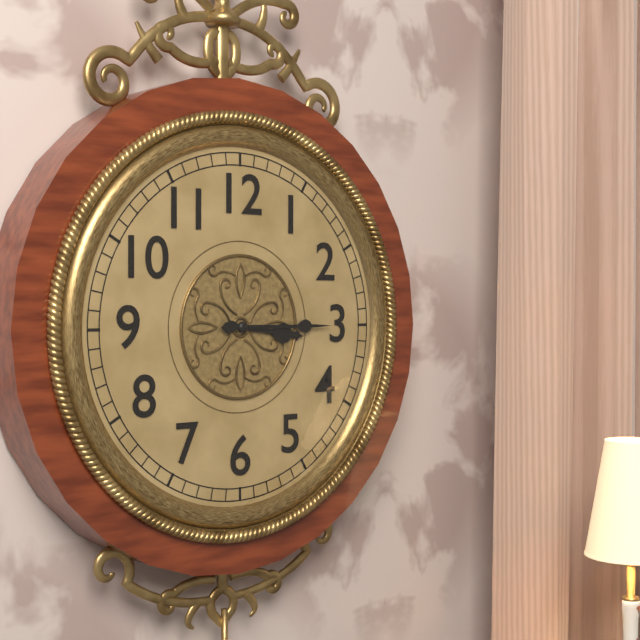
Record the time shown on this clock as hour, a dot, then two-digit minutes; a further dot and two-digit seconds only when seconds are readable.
3.15
